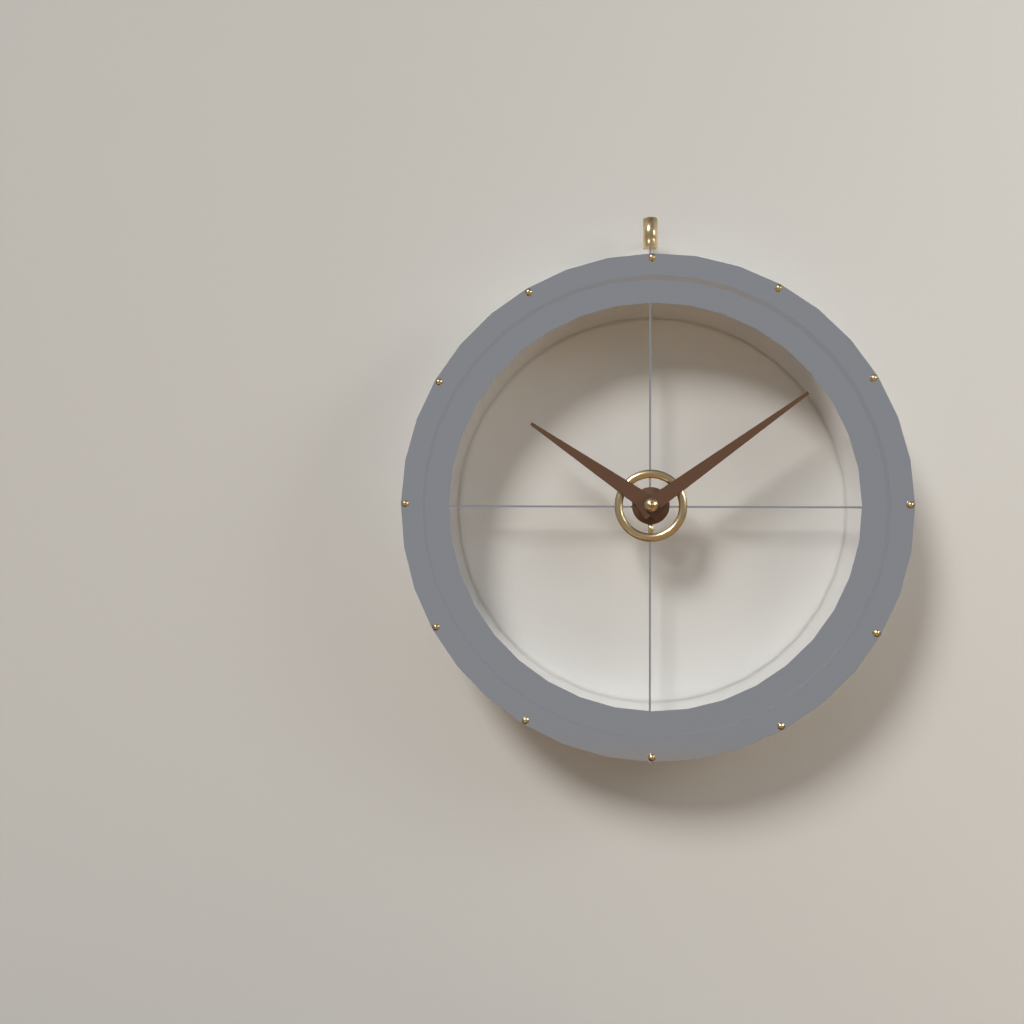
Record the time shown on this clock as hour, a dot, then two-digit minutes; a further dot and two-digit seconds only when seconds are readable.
10.09
